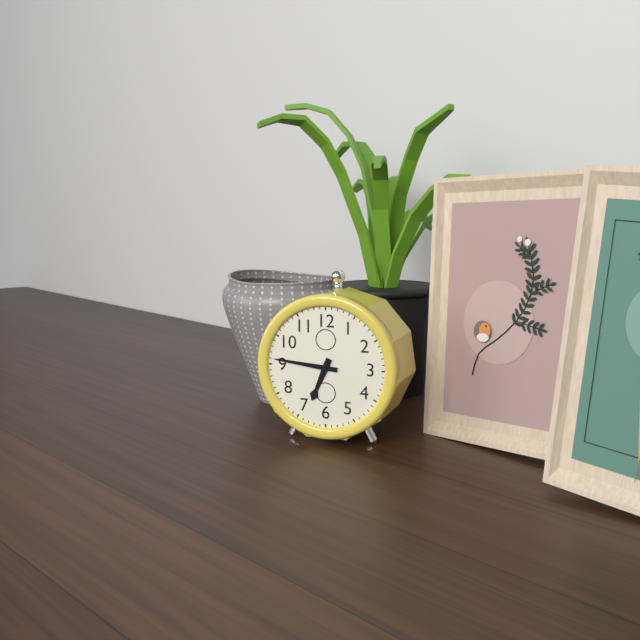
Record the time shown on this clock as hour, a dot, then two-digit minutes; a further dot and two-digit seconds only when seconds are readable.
6.46
